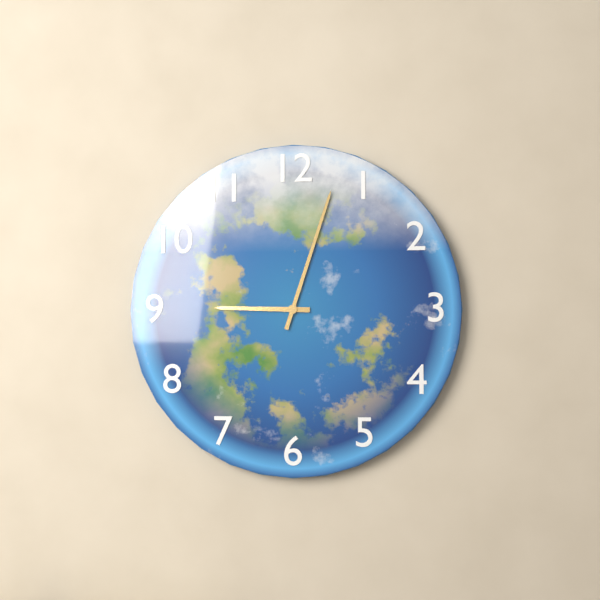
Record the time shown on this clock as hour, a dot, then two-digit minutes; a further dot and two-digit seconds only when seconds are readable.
9.03
